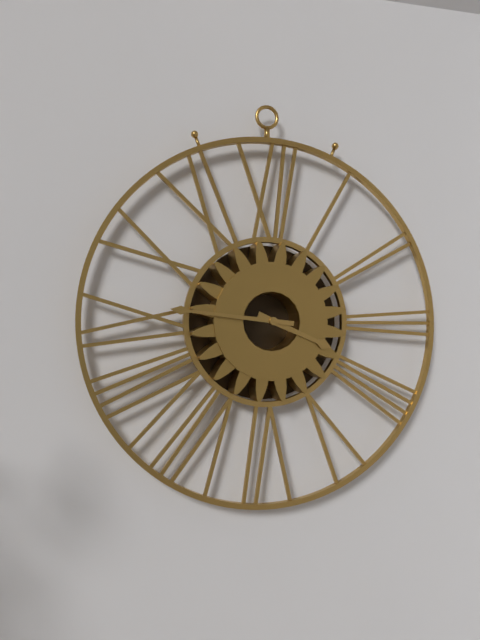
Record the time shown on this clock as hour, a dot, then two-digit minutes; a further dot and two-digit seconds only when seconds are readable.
3.46
